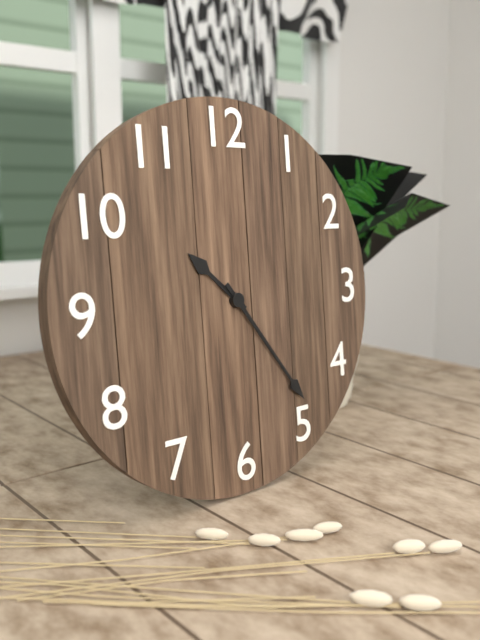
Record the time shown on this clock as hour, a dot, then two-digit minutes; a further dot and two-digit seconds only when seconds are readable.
10.24
